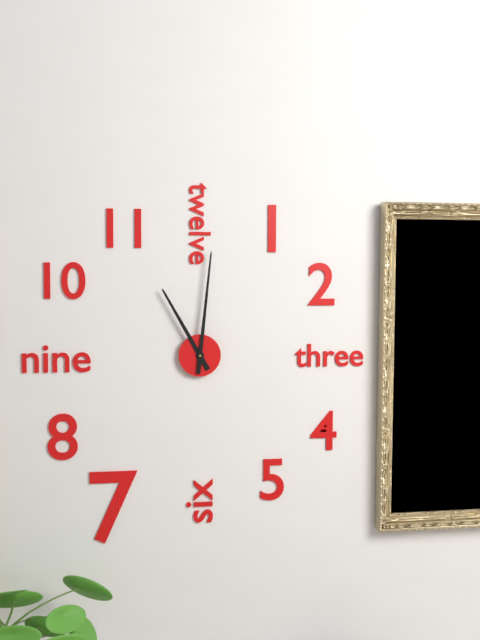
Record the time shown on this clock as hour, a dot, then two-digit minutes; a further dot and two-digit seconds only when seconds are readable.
11.01
